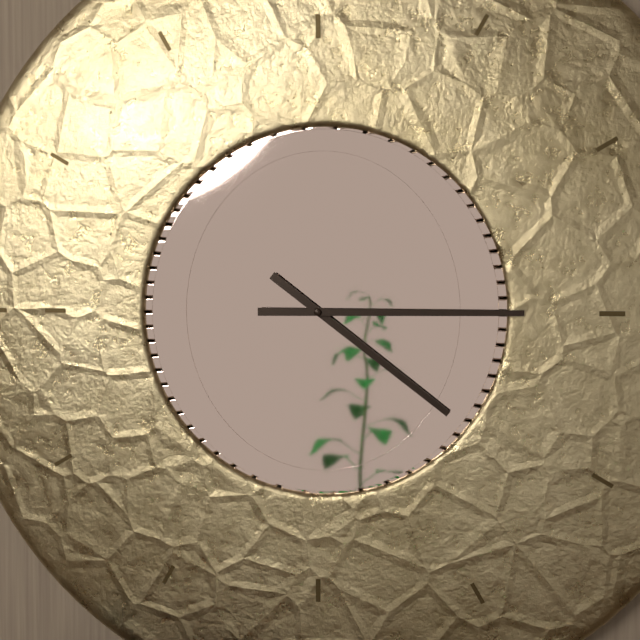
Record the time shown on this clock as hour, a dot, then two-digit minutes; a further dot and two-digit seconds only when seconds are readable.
4.15
